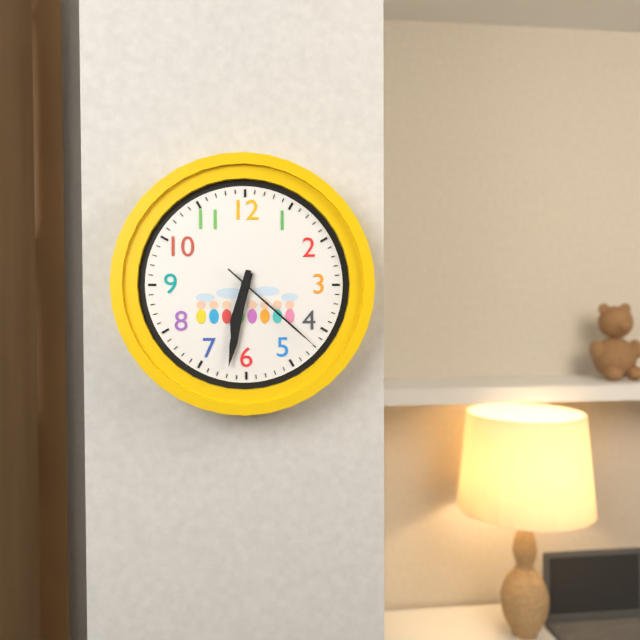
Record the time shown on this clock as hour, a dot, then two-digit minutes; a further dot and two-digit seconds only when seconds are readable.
6.32.22
